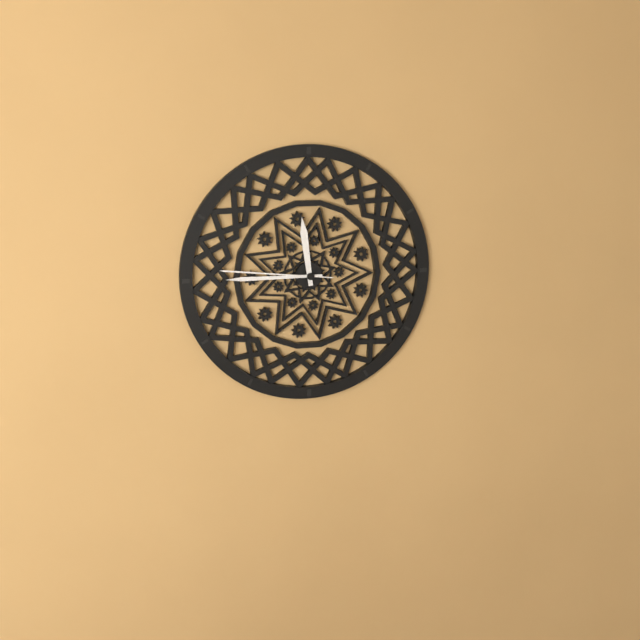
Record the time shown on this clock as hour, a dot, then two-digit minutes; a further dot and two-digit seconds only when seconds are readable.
11.45.46
